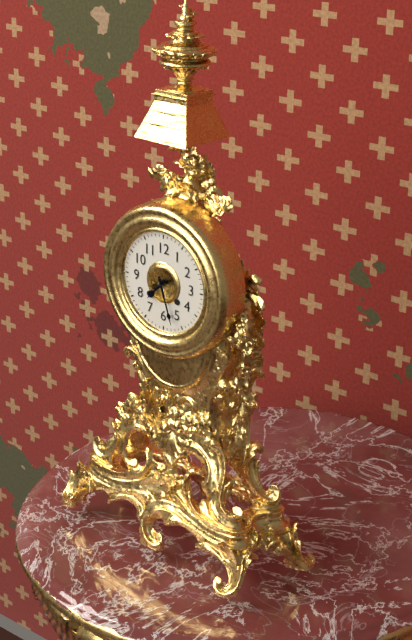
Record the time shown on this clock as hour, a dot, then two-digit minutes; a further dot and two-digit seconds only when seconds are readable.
7.27
